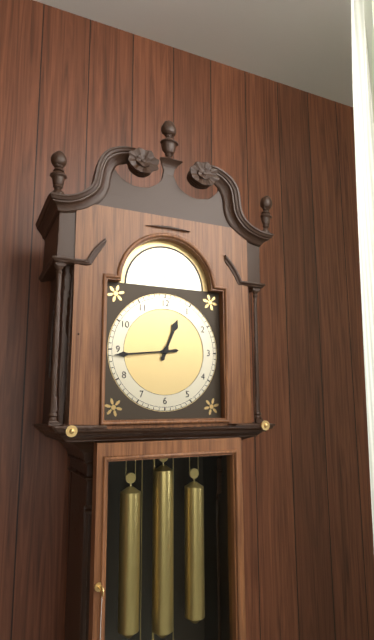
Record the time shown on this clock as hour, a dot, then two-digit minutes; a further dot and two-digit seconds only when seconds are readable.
12.44
